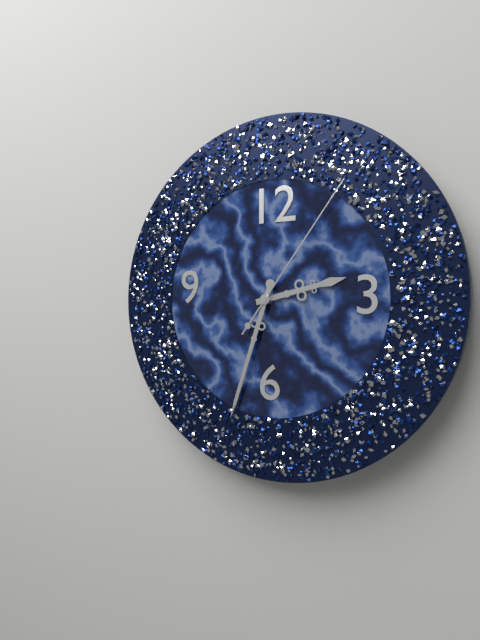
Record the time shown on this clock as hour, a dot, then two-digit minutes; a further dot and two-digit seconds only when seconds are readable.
2.33.06
